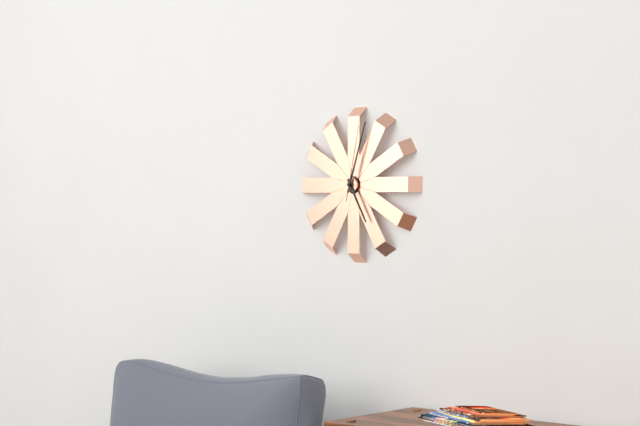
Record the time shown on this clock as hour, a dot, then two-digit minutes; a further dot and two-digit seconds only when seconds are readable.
5.03.02
